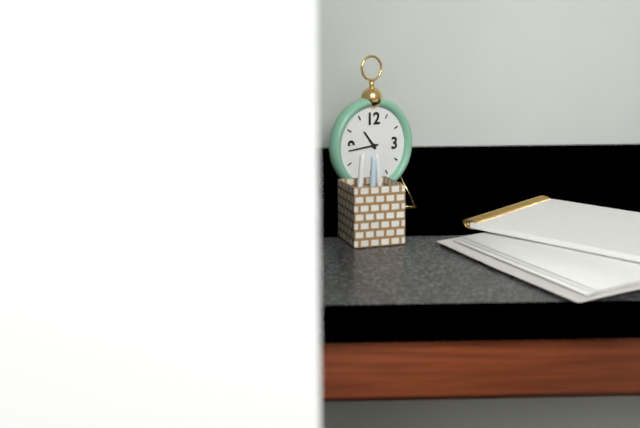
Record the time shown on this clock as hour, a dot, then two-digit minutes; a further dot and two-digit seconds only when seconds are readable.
10.44
